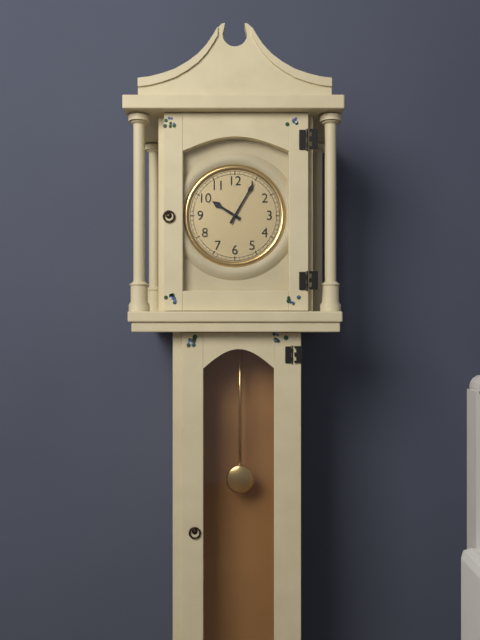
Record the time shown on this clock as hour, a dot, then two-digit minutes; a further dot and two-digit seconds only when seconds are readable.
10.05
